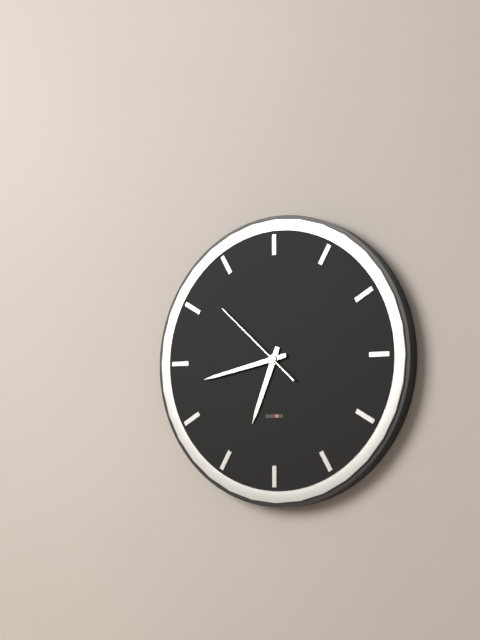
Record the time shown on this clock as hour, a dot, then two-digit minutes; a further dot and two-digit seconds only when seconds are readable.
6.43.52
